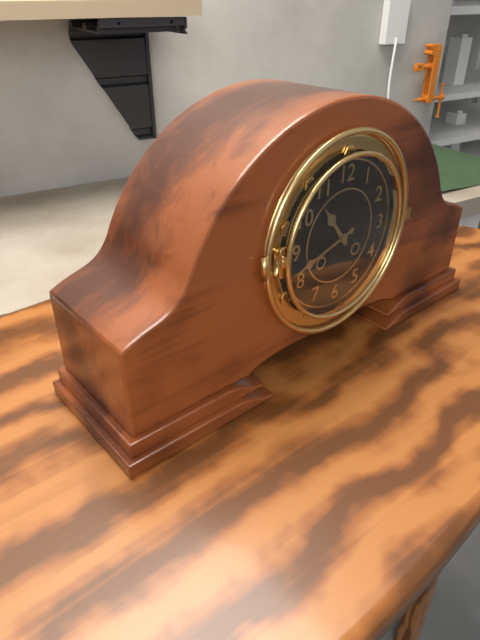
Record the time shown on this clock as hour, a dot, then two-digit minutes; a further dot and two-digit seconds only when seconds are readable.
10.42
